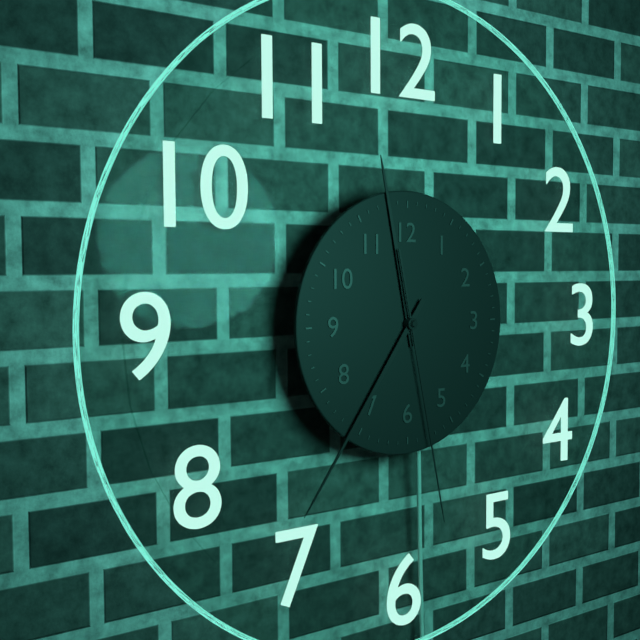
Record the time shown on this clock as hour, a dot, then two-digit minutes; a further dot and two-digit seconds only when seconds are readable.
11.36.28
